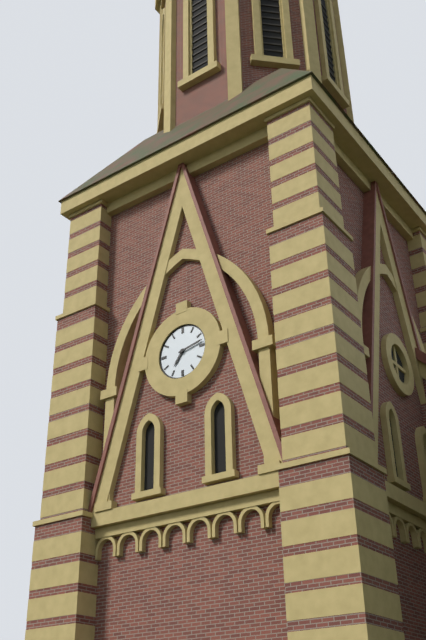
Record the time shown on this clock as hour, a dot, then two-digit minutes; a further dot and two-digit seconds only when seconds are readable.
7.13
